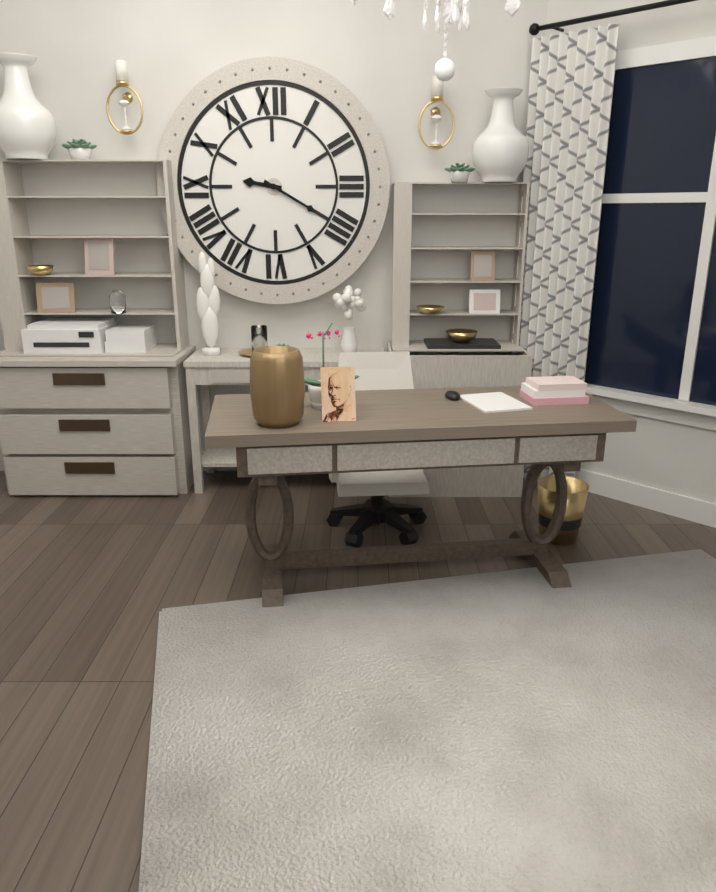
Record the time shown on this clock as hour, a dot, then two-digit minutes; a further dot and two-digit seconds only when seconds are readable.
9.20
